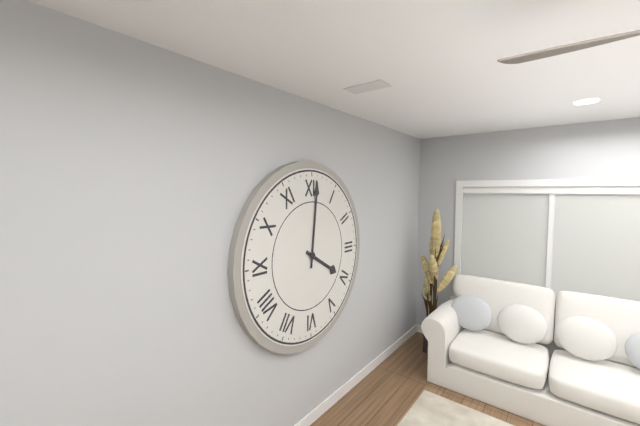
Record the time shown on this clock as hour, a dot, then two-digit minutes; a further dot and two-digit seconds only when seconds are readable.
4.01
